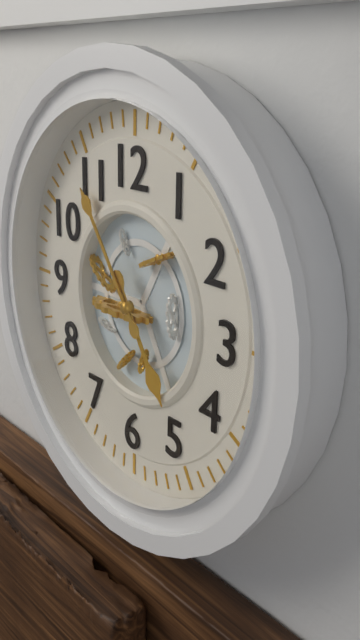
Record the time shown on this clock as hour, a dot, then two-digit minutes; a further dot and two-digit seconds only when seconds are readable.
4.54
